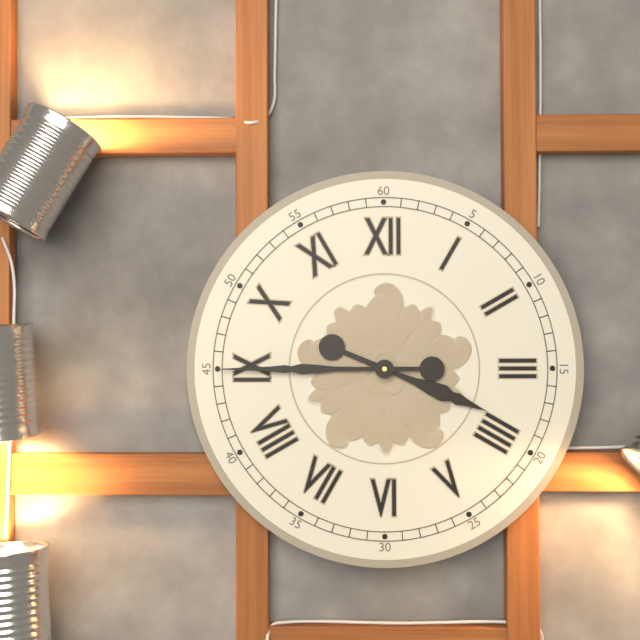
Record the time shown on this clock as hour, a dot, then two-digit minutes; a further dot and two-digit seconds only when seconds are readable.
3.45
